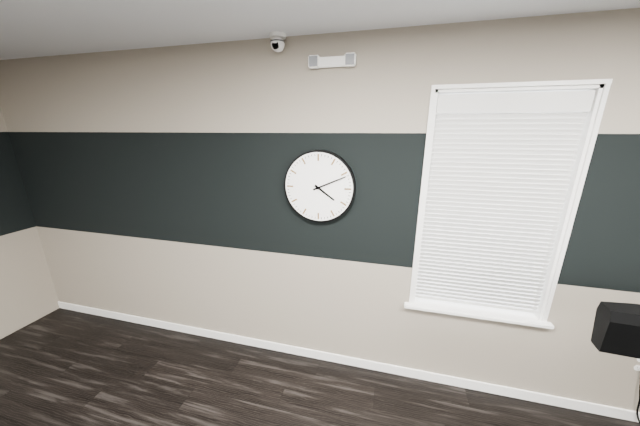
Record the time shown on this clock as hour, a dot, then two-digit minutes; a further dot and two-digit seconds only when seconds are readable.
4.11
